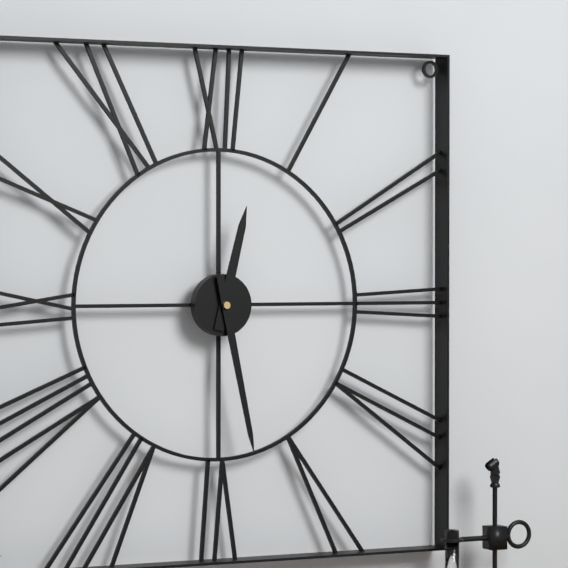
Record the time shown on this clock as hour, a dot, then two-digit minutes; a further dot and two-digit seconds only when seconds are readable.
12.28
